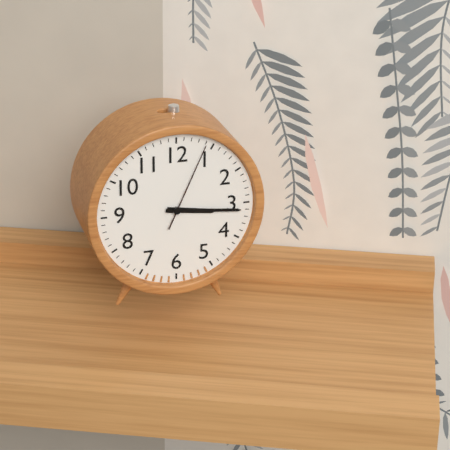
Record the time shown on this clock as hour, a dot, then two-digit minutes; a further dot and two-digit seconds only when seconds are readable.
3.16.04
